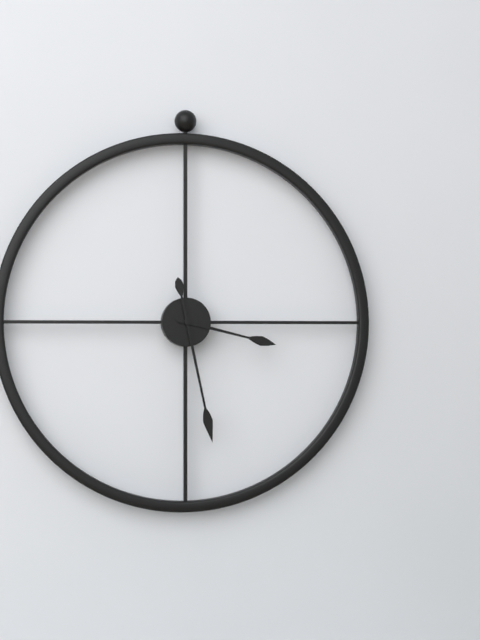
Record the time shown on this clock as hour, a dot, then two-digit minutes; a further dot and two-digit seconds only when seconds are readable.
3.28
